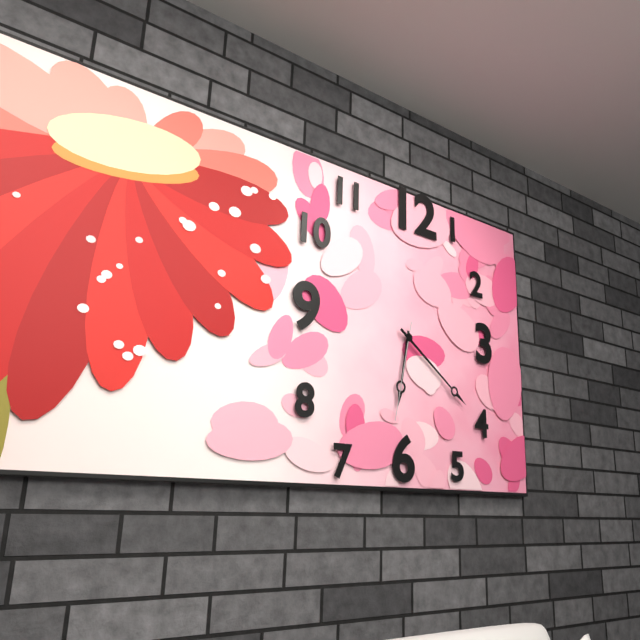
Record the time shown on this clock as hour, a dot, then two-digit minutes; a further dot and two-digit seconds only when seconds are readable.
6.21.32
